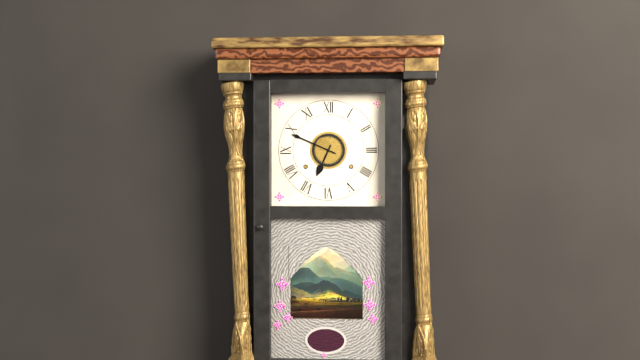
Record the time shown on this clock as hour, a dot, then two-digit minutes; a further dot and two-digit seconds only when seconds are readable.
6.49
